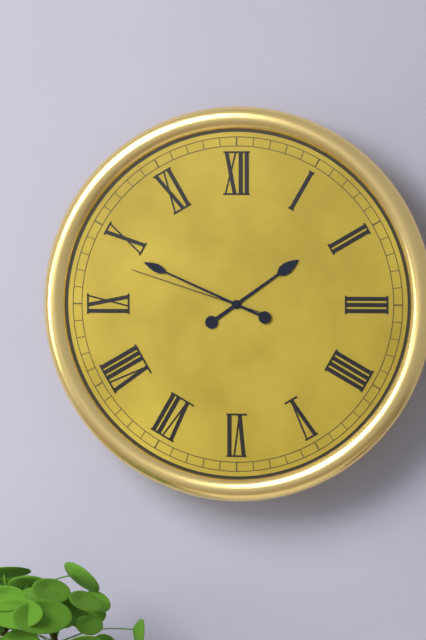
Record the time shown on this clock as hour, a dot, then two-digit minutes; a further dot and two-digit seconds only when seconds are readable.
1.49.48
